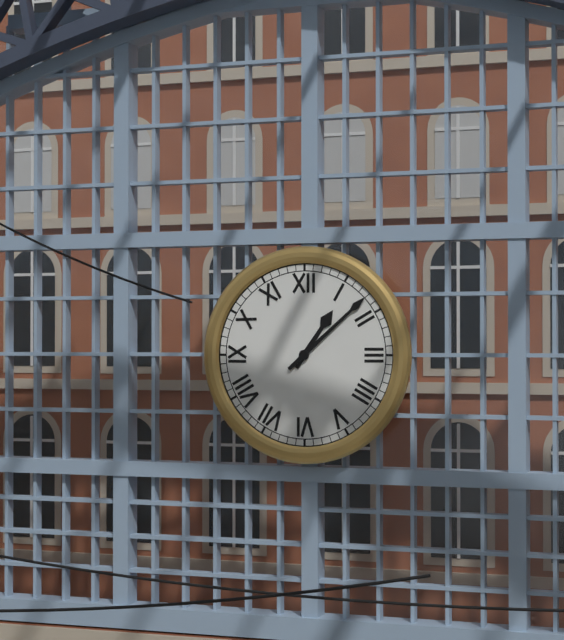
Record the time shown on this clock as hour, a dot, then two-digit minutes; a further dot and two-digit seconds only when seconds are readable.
1.08
